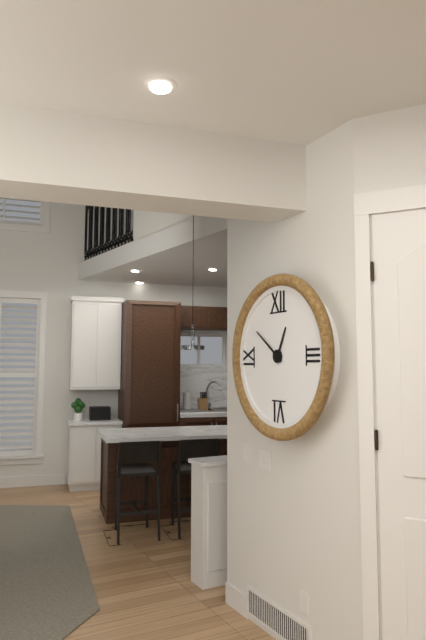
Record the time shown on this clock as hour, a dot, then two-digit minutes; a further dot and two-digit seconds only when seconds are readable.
12.51
